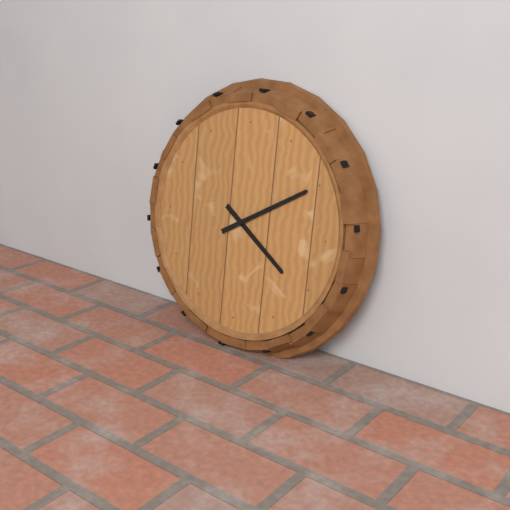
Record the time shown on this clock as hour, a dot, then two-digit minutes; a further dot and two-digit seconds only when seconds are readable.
4.10
